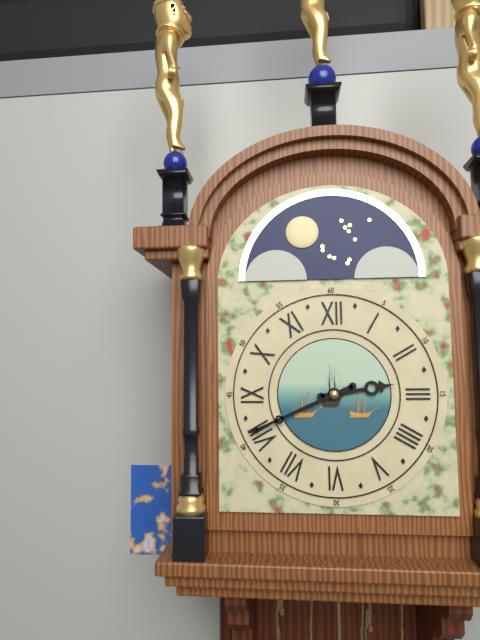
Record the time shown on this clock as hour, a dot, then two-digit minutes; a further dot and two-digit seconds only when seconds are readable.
2.41
